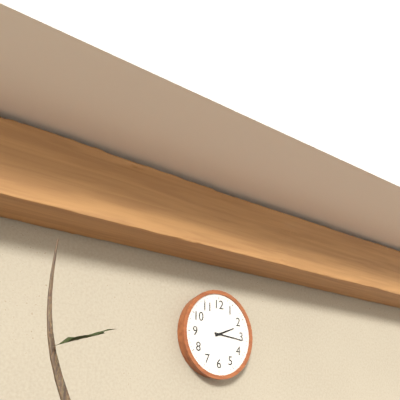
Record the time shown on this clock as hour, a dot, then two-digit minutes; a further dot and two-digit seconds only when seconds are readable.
2.16
